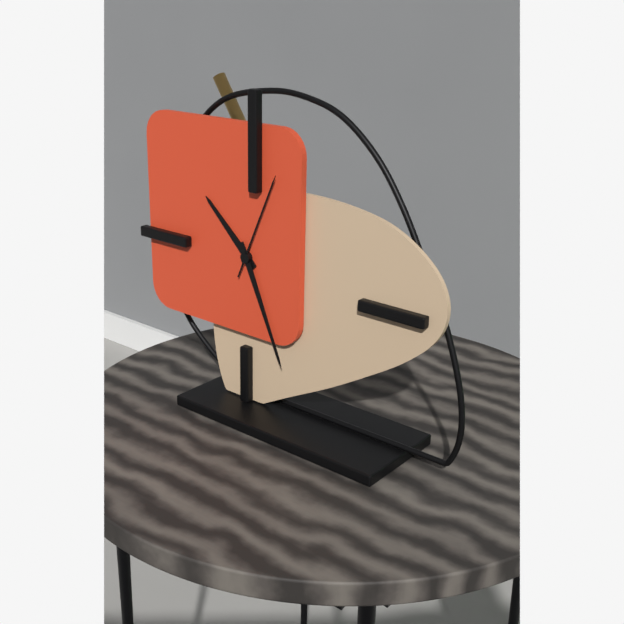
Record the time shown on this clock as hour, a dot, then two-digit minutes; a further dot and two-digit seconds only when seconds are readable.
10.26.04
